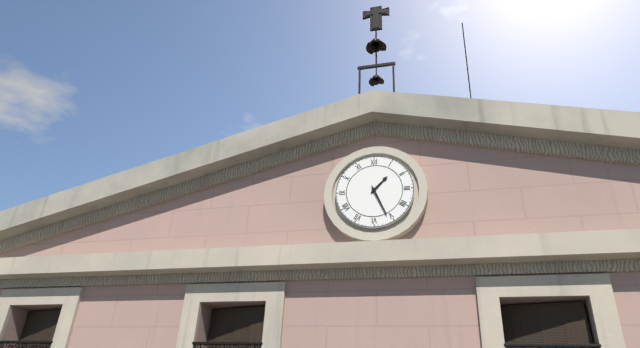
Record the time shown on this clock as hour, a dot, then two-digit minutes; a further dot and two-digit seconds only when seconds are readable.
1.26
